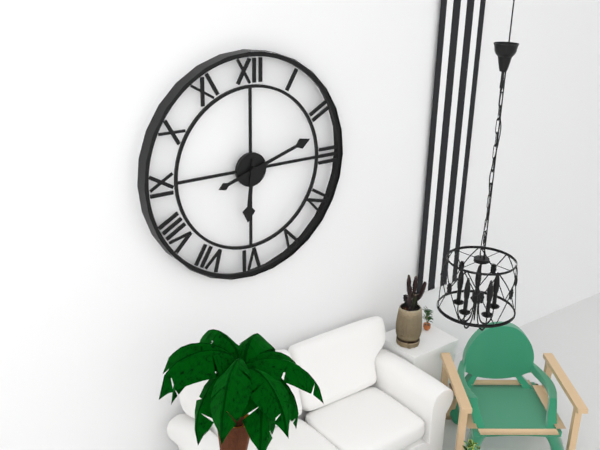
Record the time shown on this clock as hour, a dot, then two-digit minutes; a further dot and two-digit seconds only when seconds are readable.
6.12
